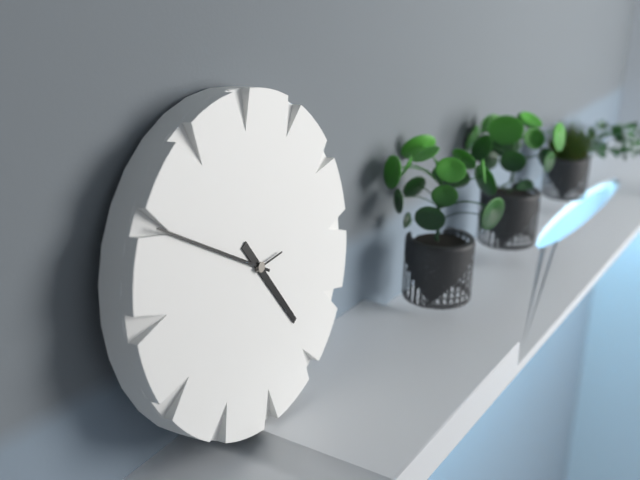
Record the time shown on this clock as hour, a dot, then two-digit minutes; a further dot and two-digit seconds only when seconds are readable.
4.50
